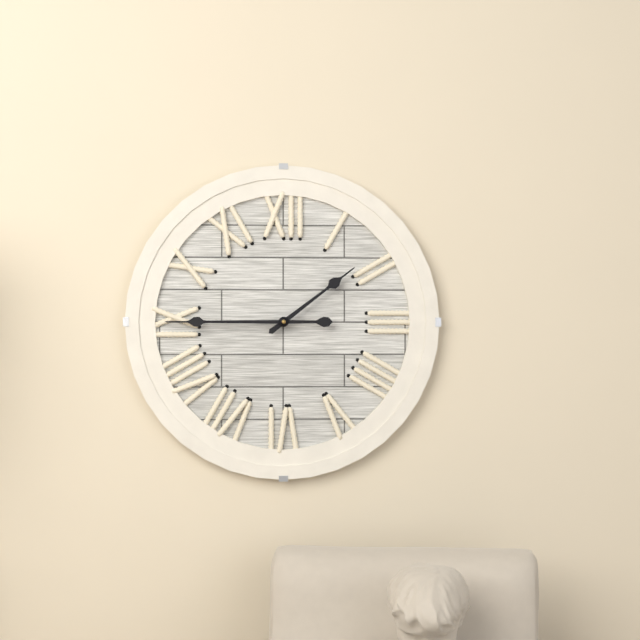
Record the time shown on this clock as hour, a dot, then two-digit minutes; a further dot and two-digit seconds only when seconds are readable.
1.45
